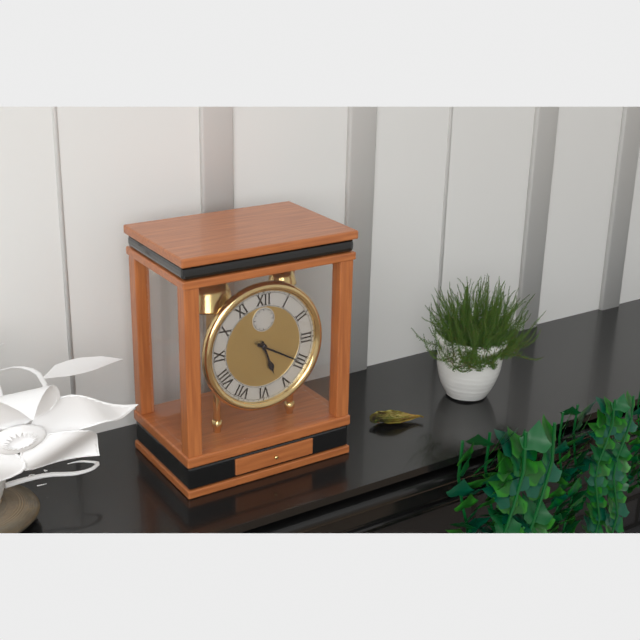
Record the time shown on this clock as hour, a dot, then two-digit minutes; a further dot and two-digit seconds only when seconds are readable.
5.20
